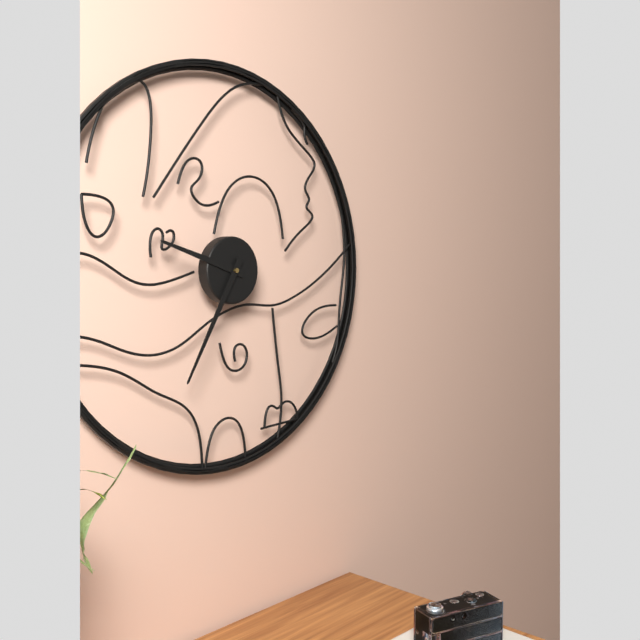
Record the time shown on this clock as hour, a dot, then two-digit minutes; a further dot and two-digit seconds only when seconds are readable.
9.35
